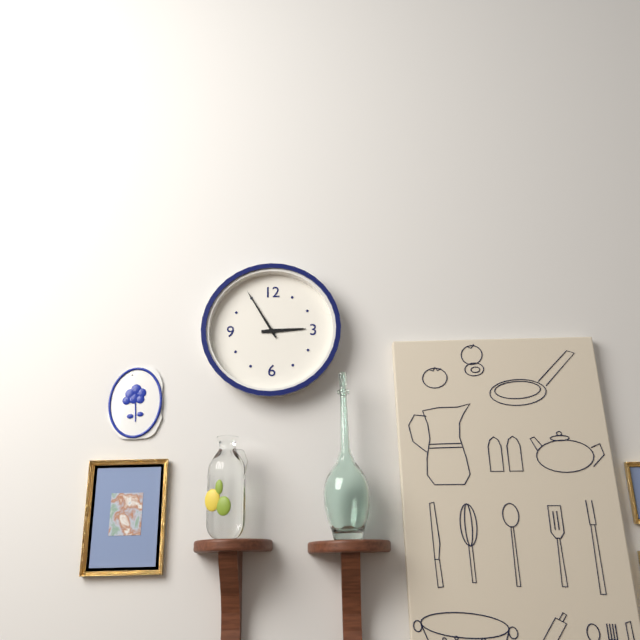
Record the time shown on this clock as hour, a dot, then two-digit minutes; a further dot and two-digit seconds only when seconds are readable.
2.55
